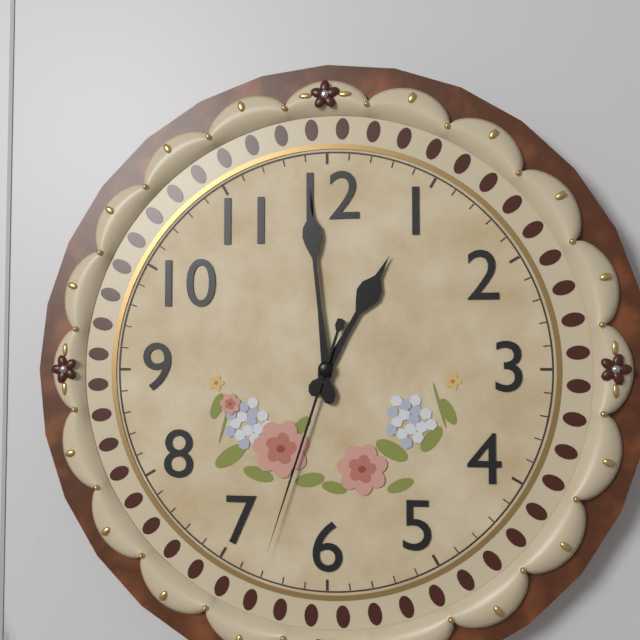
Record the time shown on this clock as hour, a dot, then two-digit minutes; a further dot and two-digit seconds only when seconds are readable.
12.59.33
